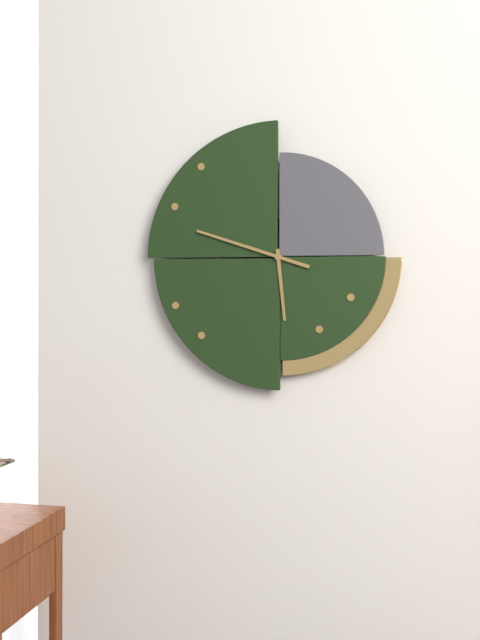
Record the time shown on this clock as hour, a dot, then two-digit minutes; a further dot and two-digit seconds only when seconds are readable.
5.48
